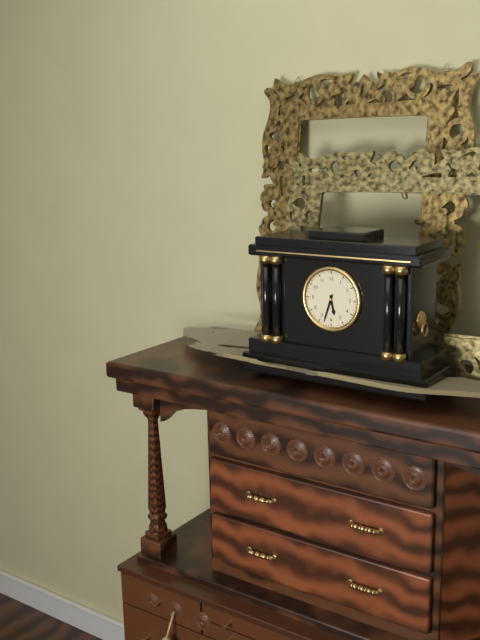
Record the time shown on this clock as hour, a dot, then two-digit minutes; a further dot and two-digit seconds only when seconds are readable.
5.33
